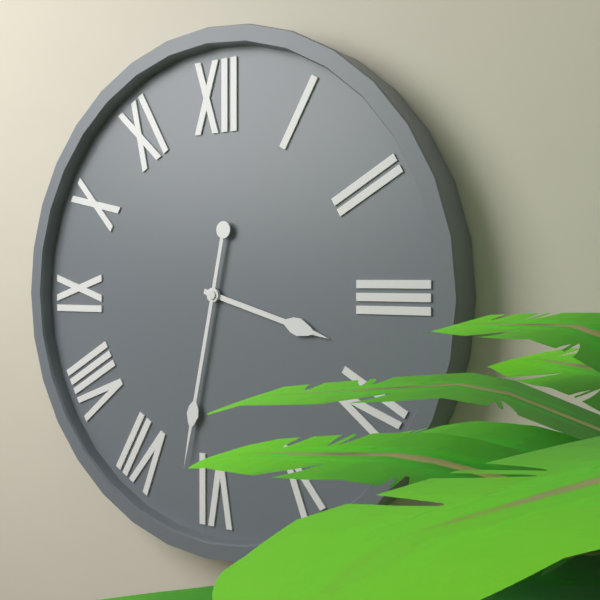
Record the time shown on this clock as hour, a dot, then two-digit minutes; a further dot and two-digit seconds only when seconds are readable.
3.32
